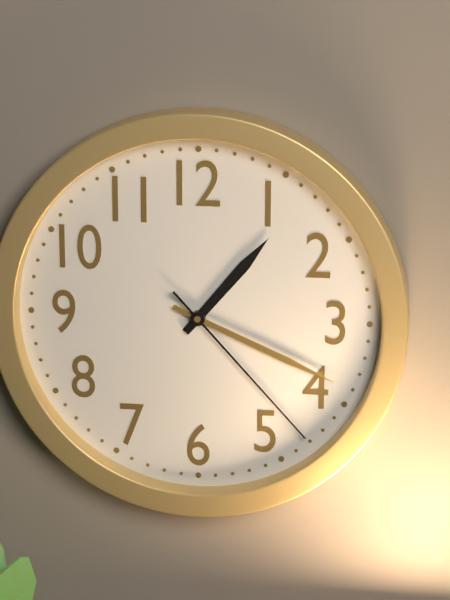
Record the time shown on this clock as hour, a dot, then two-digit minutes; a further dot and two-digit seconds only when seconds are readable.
1.19.23
